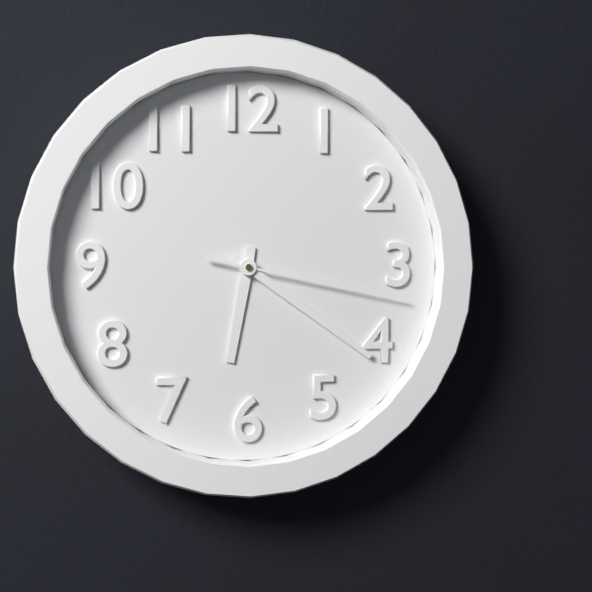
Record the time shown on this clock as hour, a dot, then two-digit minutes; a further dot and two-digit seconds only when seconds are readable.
6.21.17
